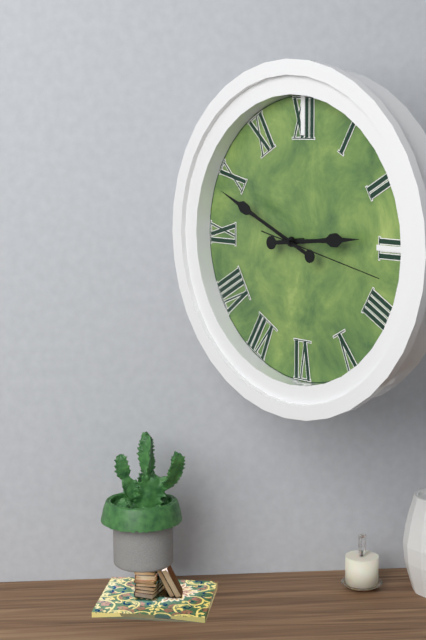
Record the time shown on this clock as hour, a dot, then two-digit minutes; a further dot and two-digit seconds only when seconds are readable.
2.49.17
